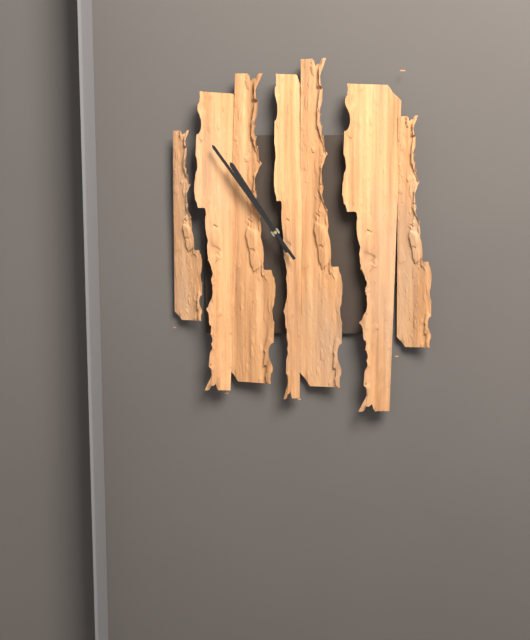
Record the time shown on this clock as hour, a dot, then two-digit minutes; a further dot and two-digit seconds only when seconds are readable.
10.54
